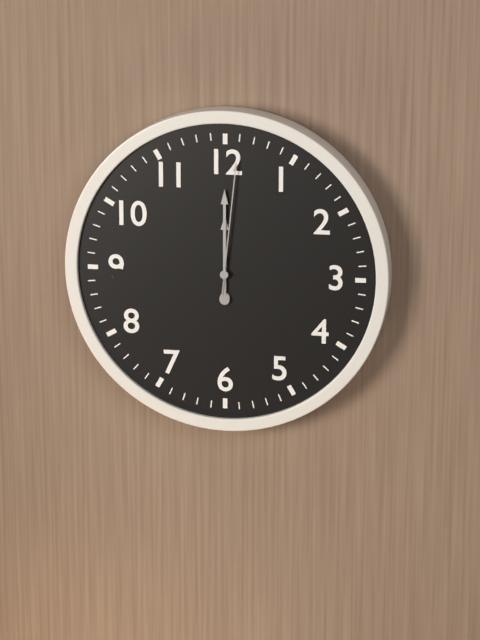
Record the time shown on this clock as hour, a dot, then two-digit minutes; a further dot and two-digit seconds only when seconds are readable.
12.00.01
